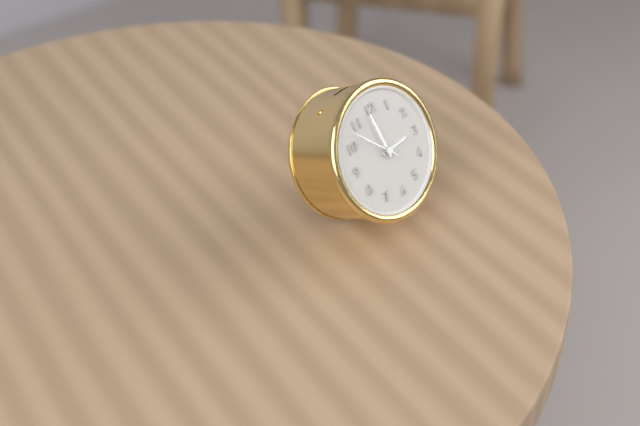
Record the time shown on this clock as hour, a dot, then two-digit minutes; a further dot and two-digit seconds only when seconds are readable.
2.59
